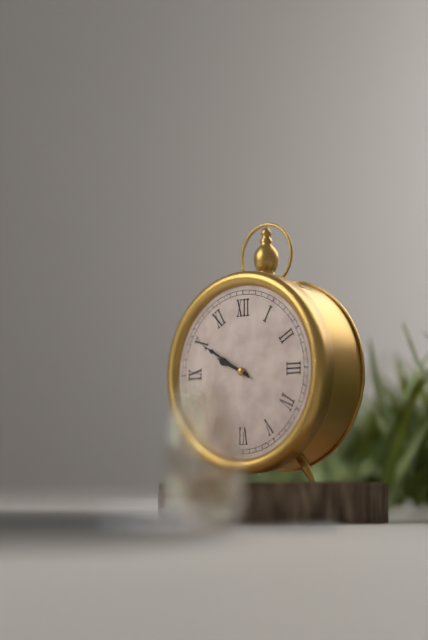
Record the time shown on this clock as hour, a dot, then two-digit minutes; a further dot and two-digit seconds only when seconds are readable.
9.50
